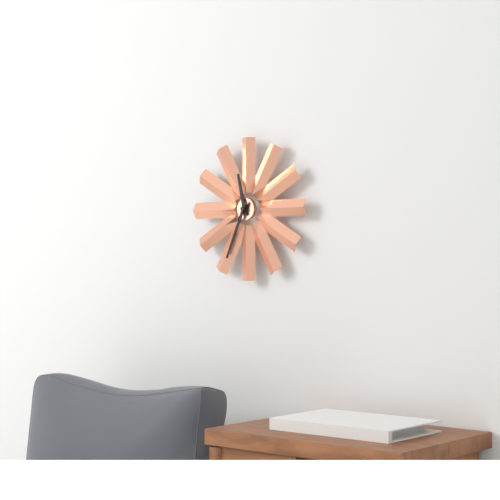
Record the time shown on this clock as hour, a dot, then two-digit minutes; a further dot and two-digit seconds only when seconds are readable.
11.34
